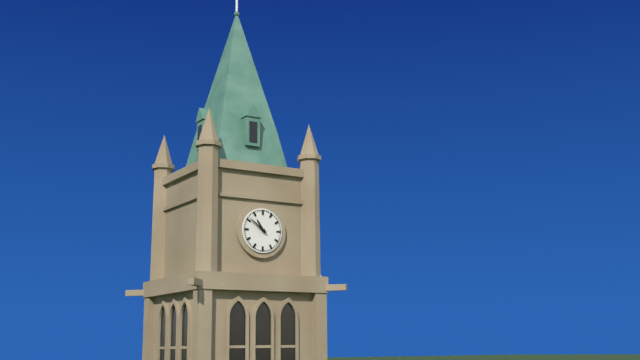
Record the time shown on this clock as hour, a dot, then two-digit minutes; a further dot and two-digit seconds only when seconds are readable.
10.51
